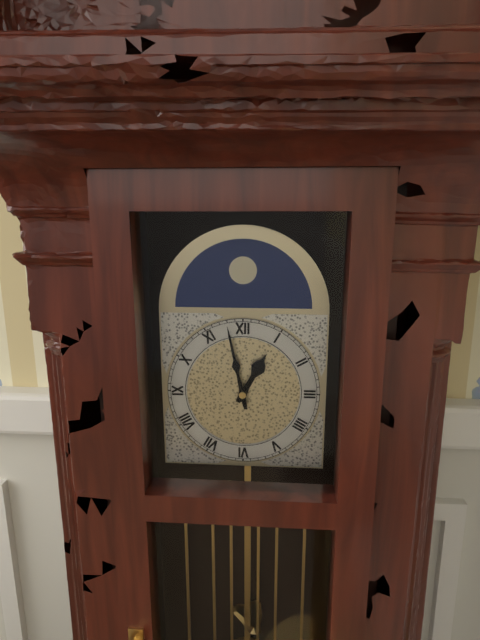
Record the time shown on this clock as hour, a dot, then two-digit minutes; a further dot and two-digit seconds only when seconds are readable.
12.58
